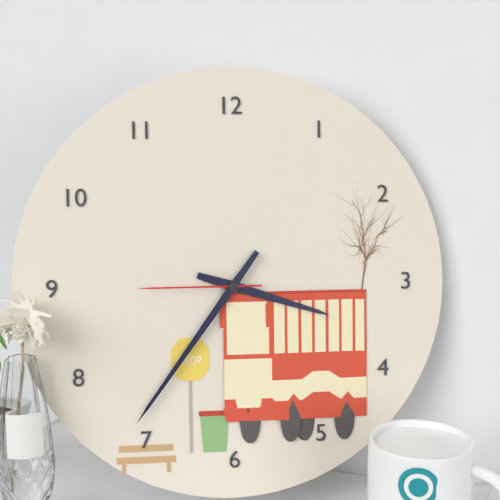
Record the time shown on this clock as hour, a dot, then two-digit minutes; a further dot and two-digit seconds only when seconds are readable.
3.36.45
